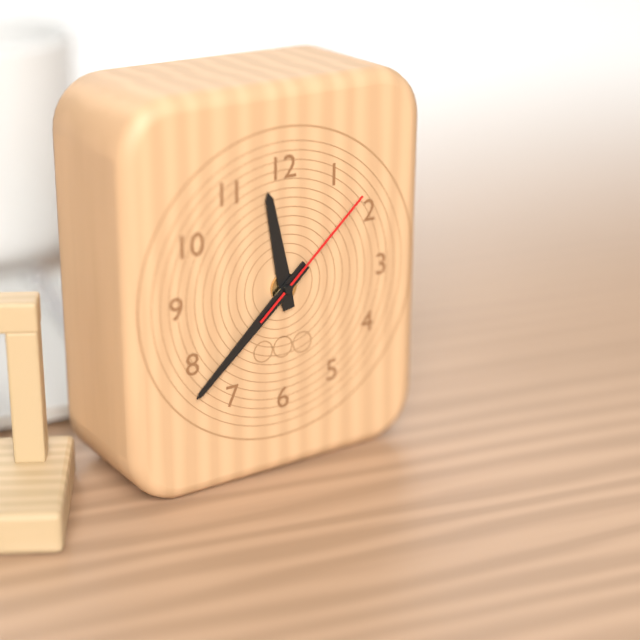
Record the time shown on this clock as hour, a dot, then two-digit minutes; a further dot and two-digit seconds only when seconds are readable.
11.38.08
